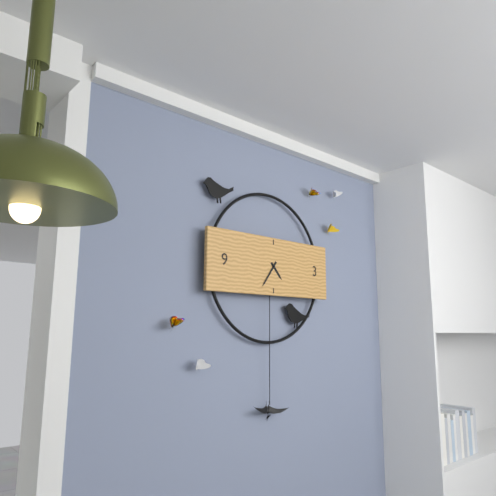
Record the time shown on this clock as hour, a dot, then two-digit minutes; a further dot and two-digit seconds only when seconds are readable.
4.36
